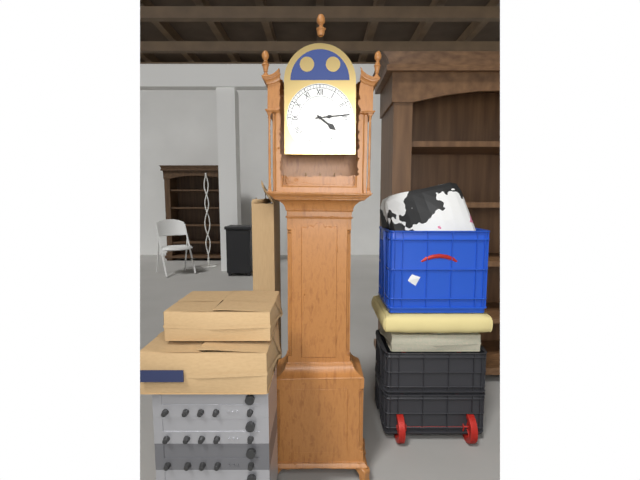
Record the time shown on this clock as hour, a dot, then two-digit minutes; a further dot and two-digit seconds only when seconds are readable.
4.14
